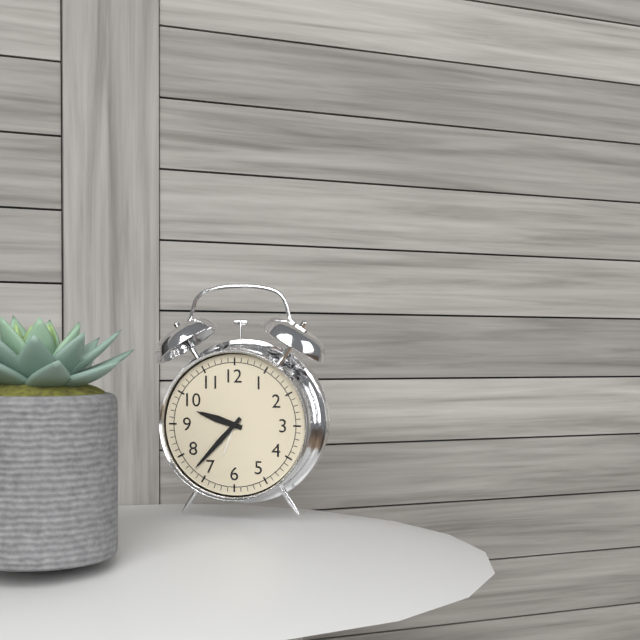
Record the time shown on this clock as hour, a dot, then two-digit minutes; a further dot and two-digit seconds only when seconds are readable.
9.37
